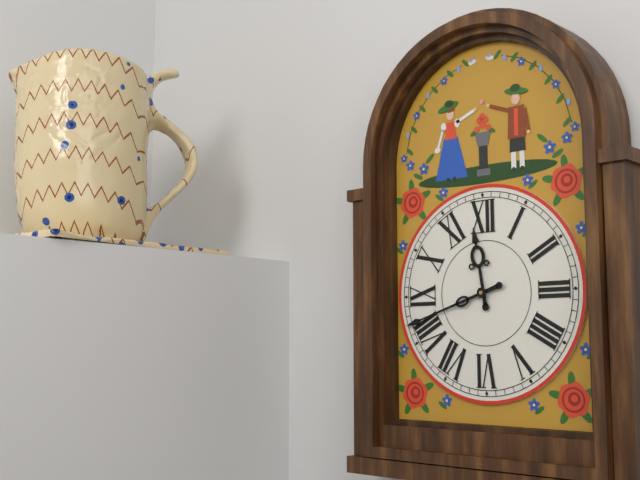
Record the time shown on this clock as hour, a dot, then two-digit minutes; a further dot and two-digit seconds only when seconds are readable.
11.42
